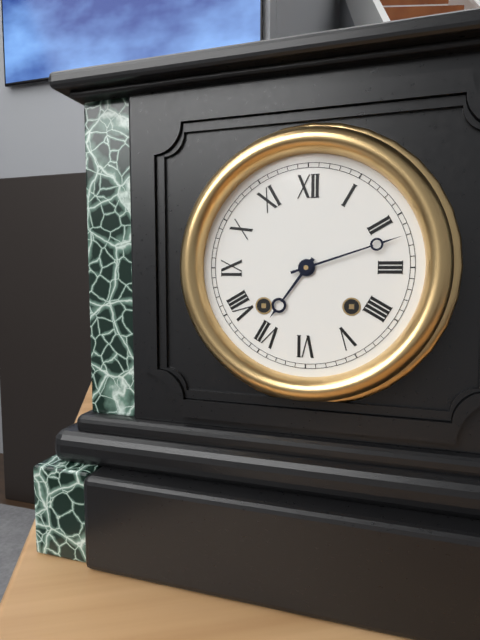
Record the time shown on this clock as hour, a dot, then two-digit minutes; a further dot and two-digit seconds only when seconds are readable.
7.12
